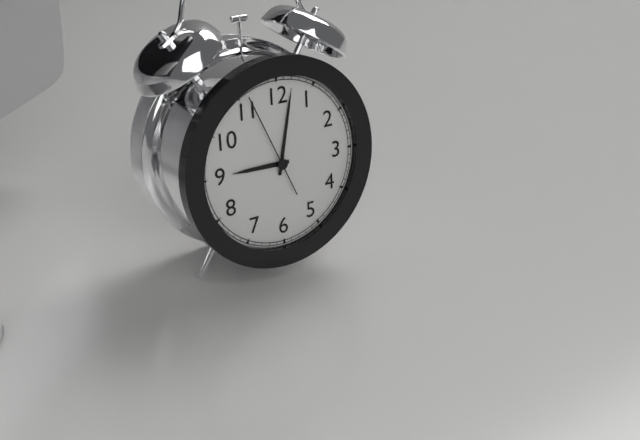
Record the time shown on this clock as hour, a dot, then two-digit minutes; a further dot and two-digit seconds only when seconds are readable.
9.02.56
